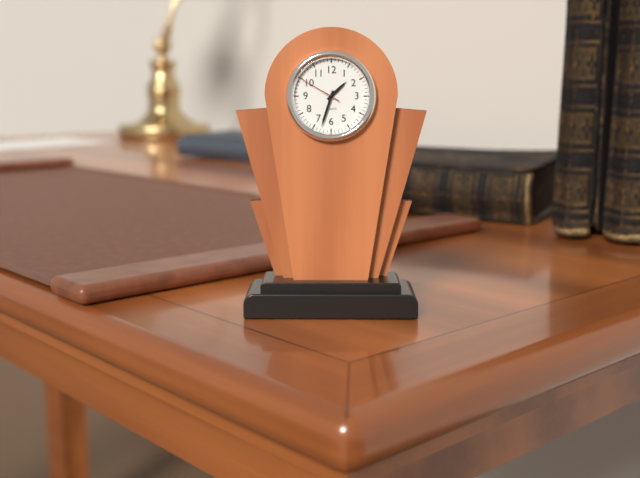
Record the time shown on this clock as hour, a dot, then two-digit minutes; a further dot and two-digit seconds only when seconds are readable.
1.33
